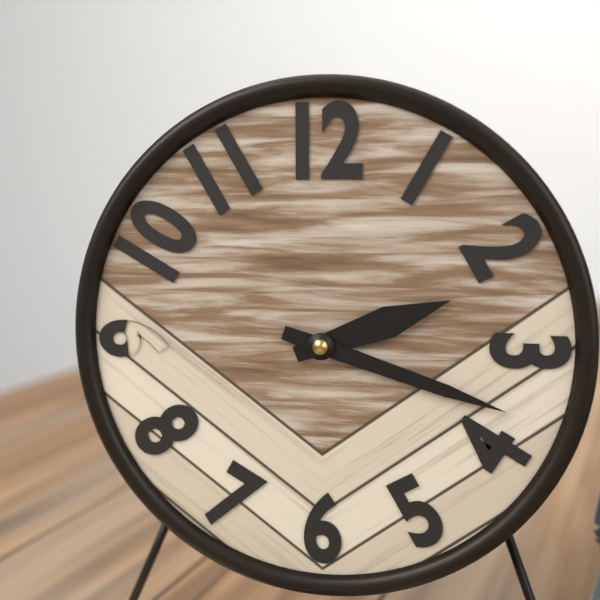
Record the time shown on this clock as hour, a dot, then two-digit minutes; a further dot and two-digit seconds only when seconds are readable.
2.18
